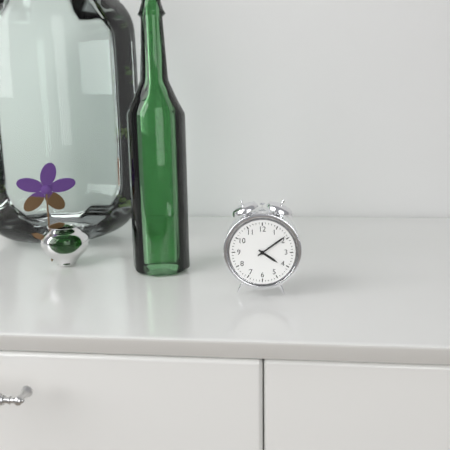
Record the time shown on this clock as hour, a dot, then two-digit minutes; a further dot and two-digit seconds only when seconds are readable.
4.09
